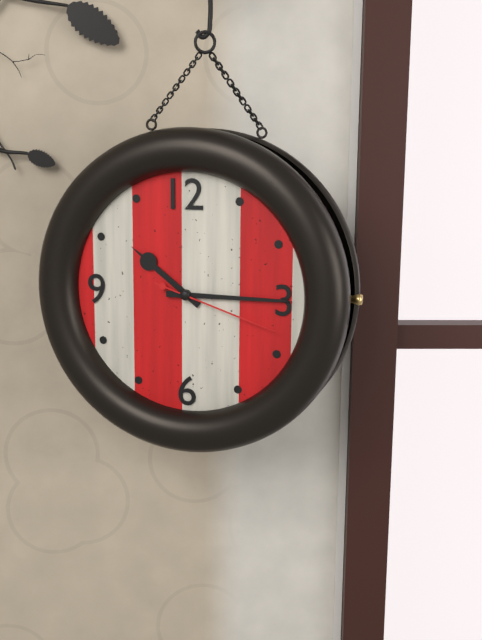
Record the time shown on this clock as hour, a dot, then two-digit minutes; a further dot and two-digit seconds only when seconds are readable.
10.15.18
